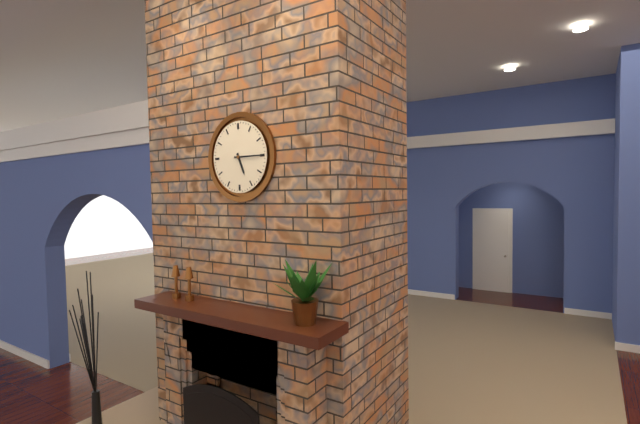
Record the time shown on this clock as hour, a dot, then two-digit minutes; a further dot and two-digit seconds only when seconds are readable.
5.15
